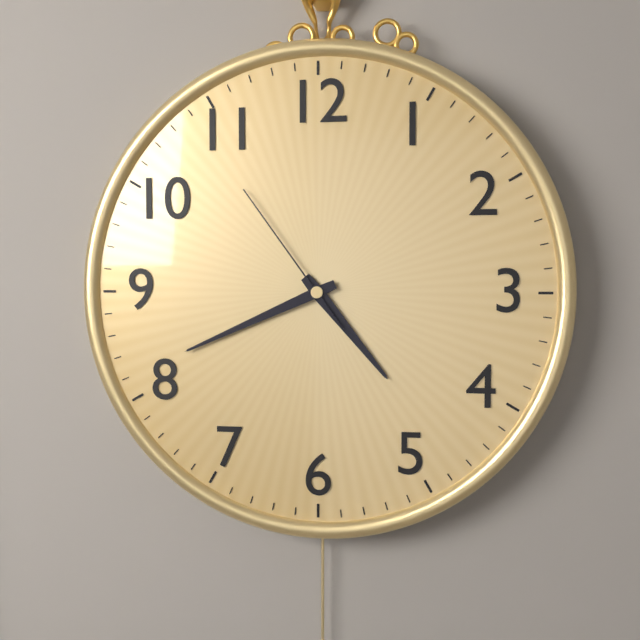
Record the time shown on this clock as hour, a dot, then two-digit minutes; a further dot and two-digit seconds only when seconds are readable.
4.41.54
